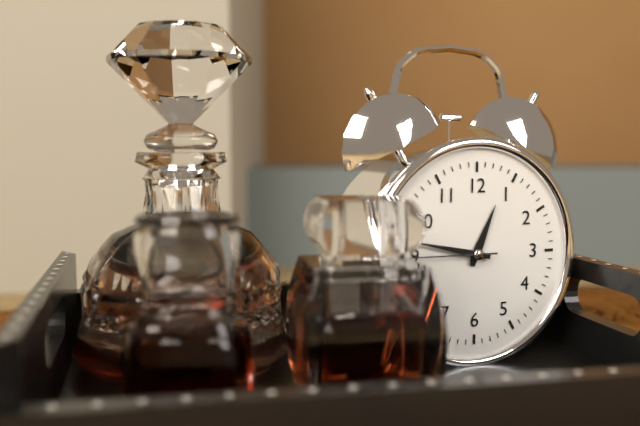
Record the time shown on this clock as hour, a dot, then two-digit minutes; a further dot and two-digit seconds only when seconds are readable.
12.47.45
